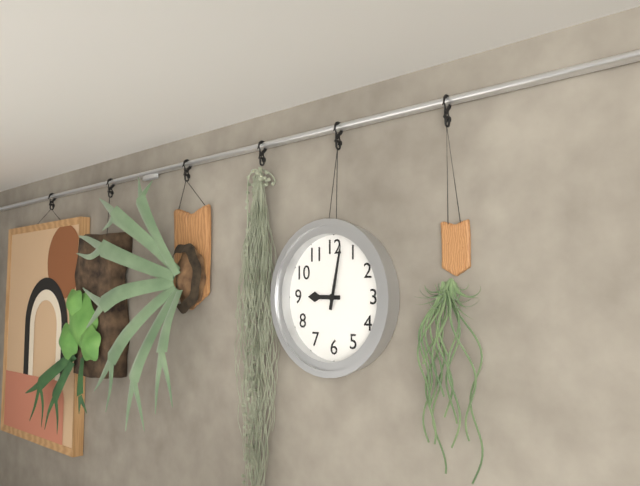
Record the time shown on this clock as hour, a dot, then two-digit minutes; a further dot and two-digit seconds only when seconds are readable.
9.02
